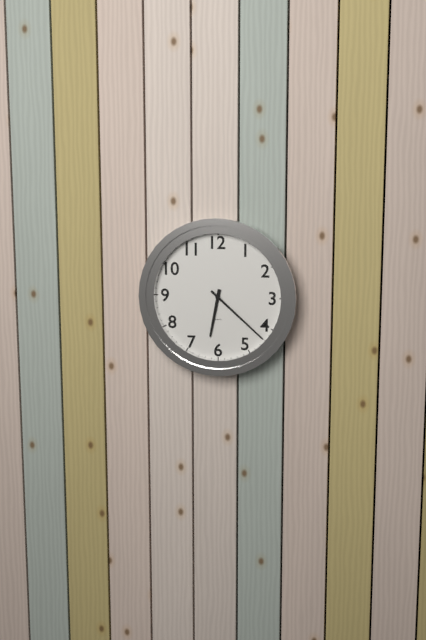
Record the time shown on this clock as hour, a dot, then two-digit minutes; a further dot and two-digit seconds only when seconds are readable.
6.22
